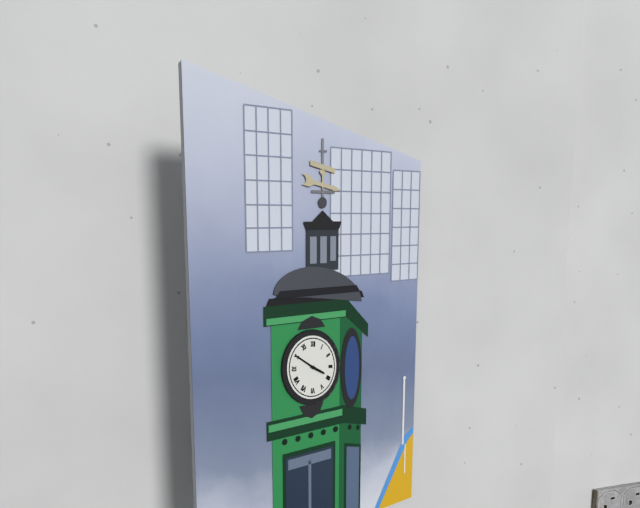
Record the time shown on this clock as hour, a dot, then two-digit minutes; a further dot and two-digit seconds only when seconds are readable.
3.50
